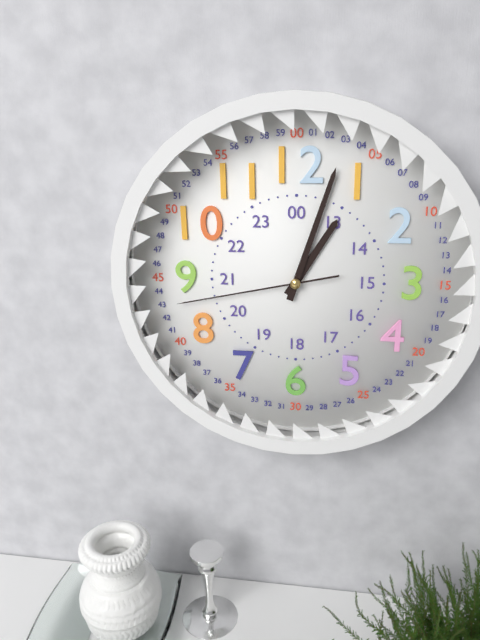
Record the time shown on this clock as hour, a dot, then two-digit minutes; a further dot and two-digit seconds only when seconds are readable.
1.03.43
